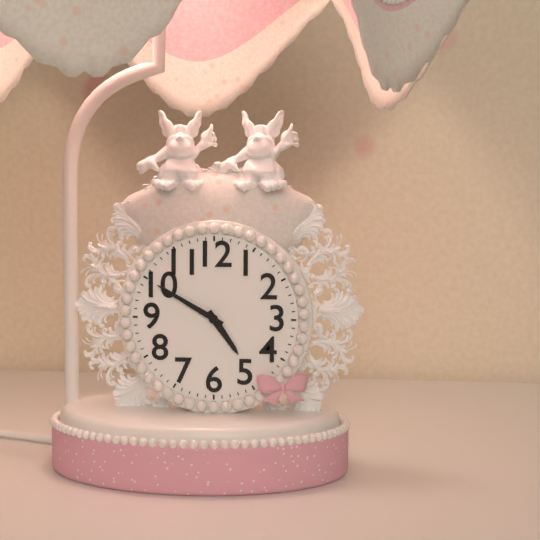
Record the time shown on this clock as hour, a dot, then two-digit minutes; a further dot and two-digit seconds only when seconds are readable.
4.50
